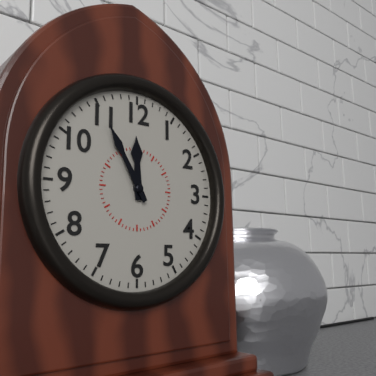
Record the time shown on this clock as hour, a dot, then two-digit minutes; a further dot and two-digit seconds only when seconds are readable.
11.55
